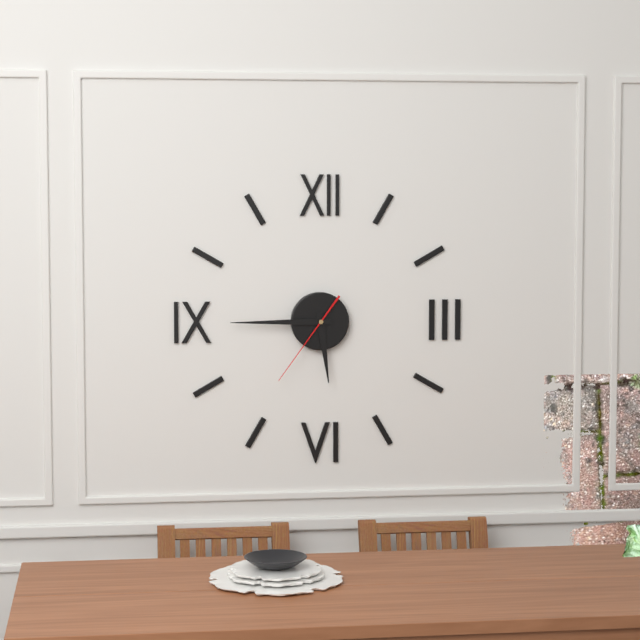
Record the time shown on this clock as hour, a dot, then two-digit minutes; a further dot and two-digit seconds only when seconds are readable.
5.45.36
